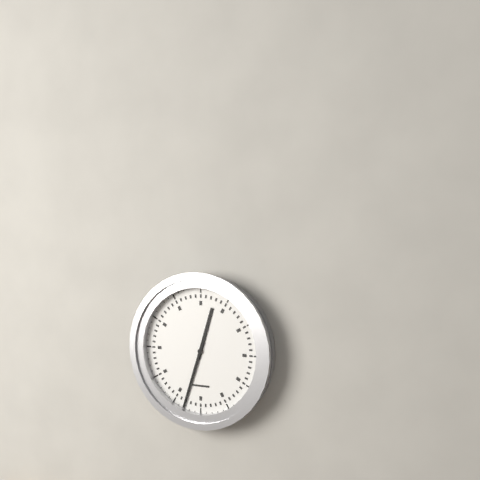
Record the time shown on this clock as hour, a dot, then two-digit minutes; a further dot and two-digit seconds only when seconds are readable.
12.33
